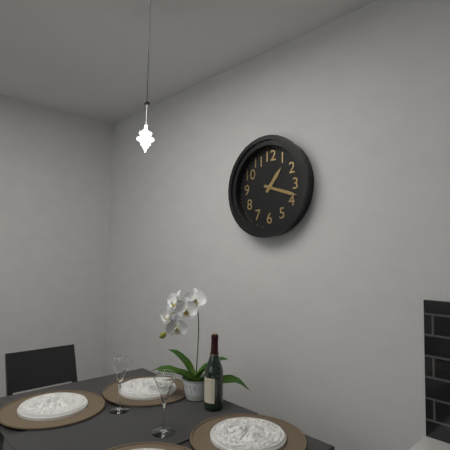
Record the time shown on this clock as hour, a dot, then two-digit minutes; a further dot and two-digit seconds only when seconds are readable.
1.18
